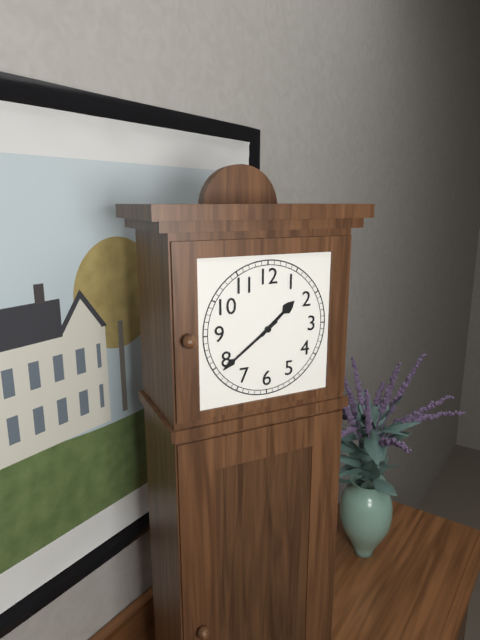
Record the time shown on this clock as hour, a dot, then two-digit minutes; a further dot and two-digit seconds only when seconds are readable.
1.39
